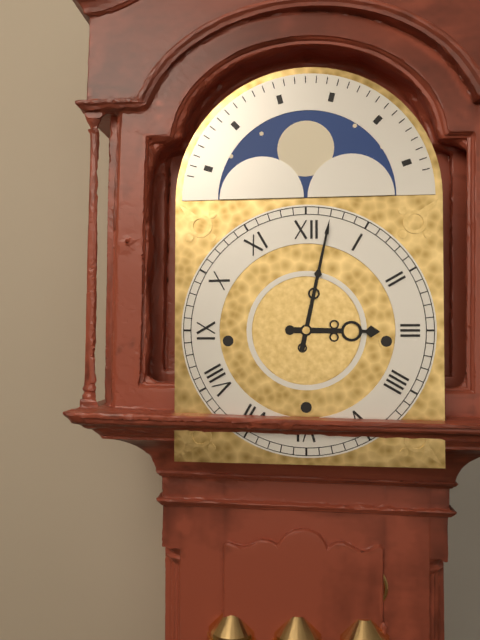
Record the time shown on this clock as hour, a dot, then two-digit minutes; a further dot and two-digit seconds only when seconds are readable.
3.02
